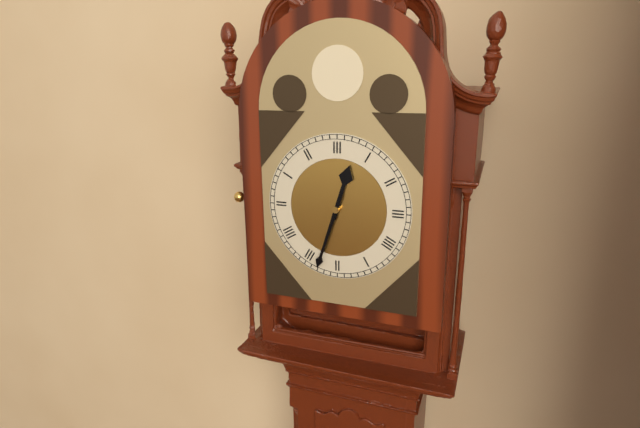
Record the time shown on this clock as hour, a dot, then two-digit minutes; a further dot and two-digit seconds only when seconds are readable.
12.33
